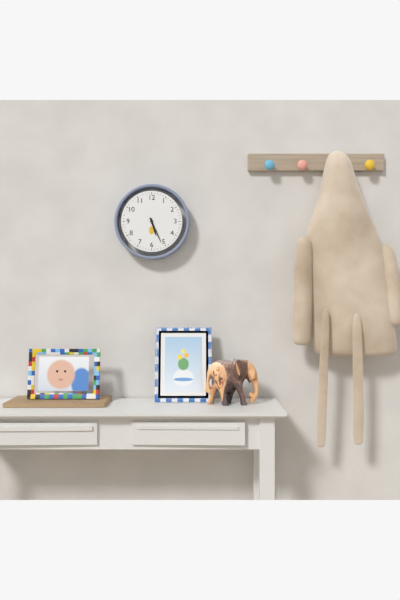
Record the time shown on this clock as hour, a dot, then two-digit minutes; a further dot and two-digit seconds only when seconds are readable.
5.26
